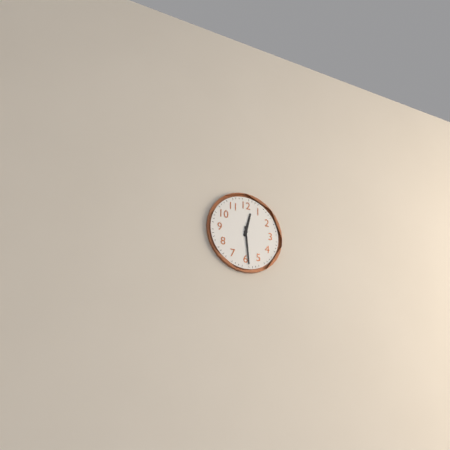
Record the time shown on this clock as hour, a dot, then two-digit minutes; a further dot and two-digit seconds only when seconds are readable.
12.29
